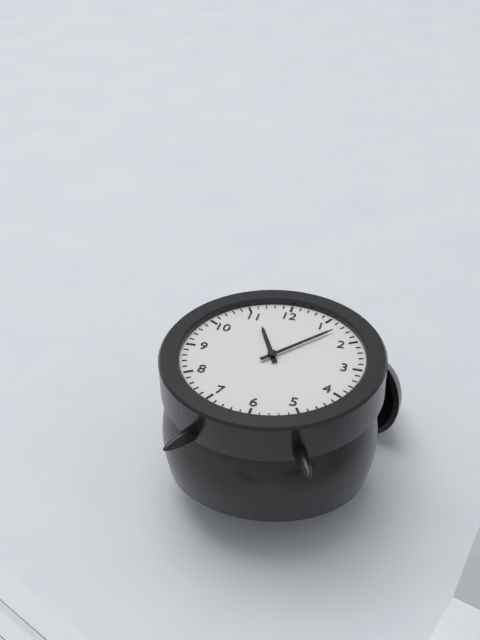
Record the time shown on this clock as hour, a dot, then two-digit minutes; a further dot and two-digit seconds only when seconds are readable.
11.07
